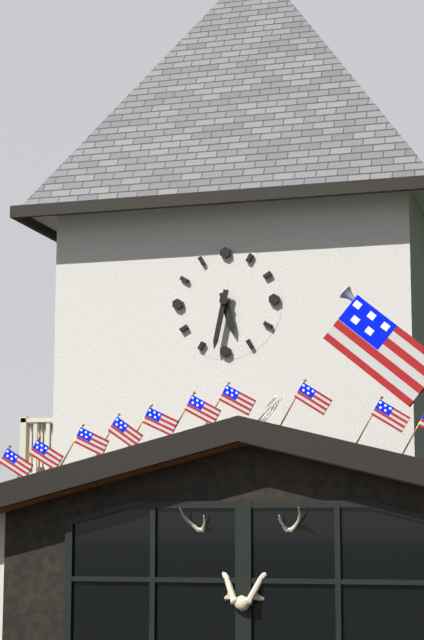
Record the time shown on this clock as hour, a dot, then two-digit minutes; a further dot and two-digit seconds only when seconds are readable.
5.32
